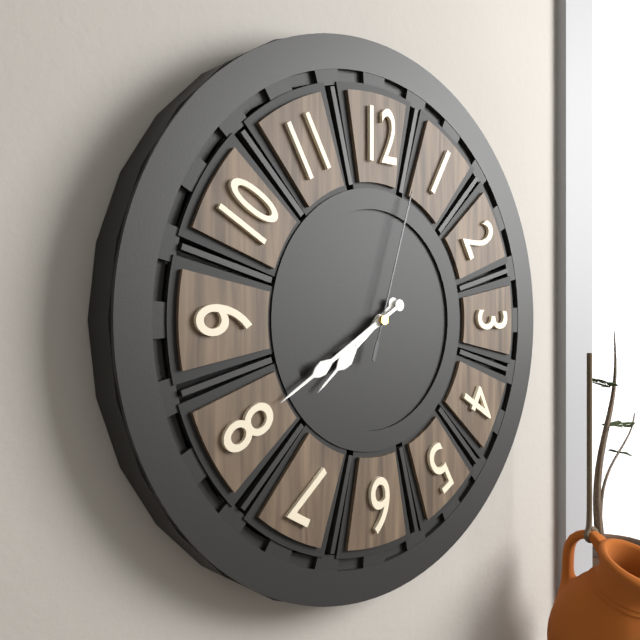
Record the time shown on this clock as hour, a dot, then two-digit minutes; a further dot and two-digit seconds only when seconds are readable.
7.40.03
